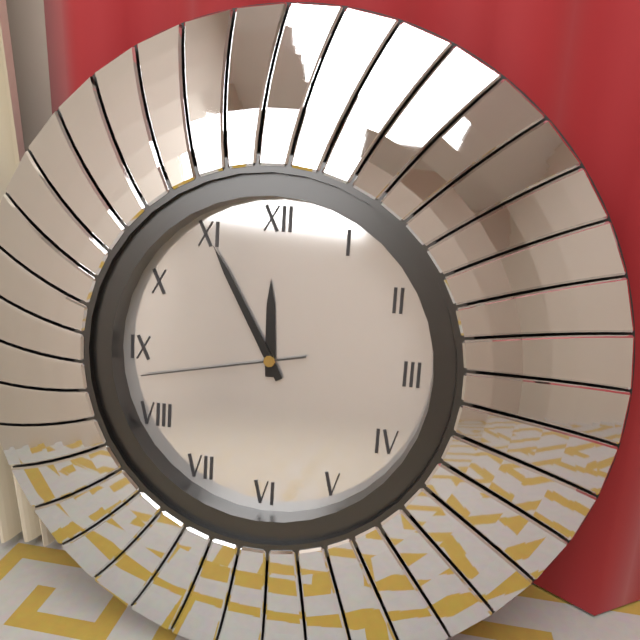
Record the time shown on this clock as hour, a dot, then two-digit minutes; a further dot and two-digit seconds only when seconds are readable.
11.55.43
